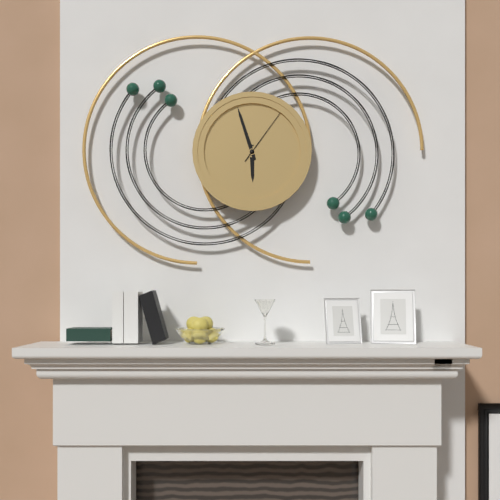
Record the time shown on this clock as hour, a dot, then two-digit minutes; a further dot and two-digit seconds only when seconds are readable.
5.57.06
